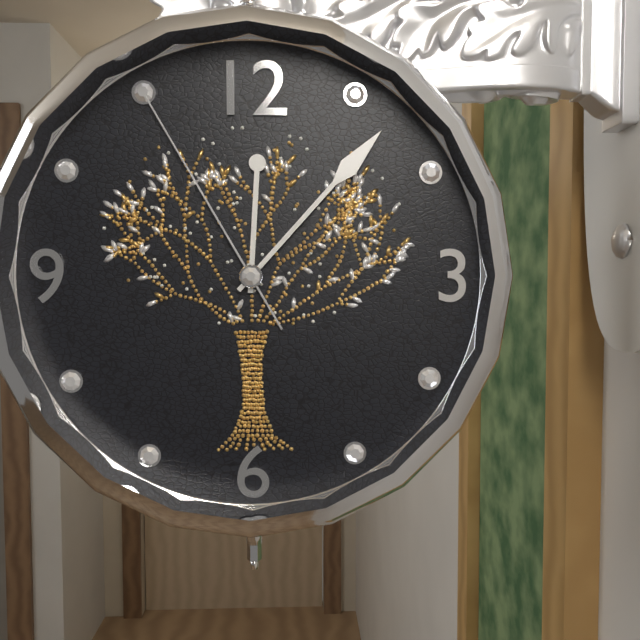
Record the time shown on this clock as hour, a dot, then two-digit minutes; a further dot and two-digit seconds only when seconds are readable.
12.07.55
